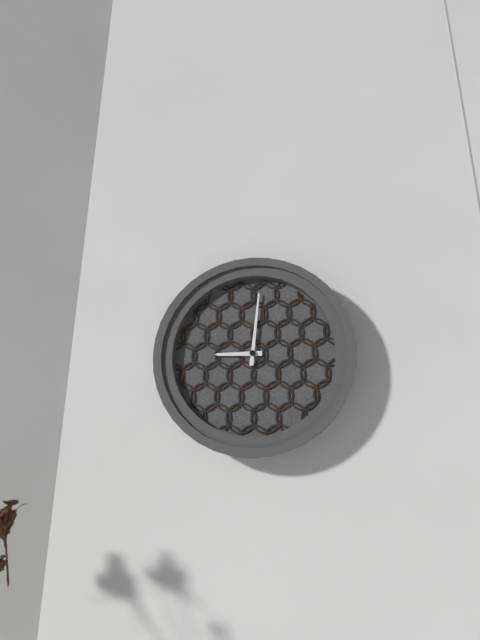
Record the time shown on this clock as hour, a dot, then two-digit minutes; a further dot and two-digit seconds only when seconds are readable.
9.01
